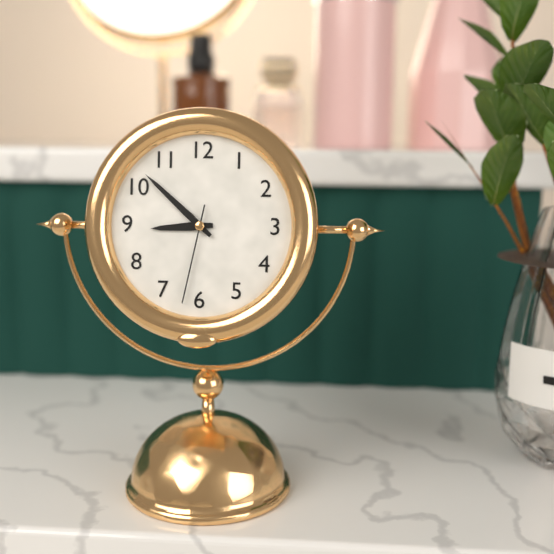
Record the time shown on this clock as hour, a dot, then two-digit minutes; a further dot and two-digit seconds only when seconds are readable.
8.52.32
